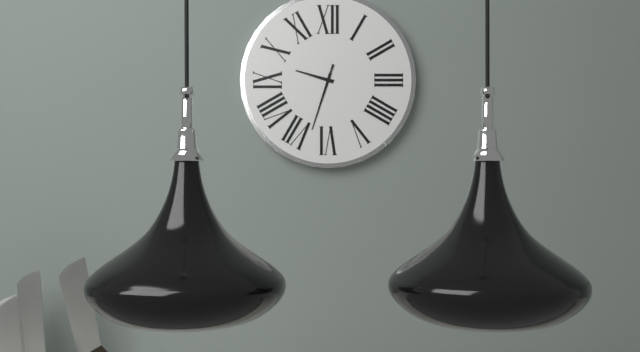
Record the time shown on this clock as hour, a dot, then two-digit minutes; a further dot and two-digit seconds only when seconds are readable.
9.33.33
